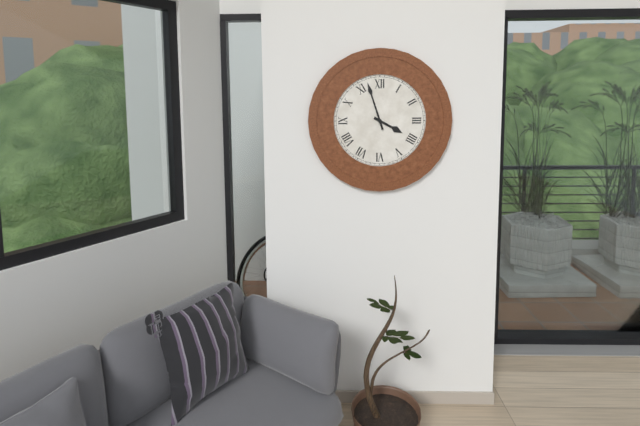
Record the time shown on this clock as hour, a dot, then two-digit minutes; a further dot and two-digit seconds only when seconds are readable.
3.57
